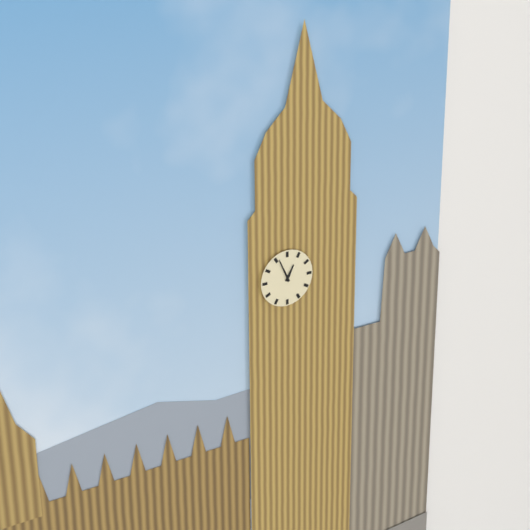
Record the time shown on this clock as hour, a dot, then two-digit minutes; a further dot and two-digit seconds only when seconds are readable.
12.56
